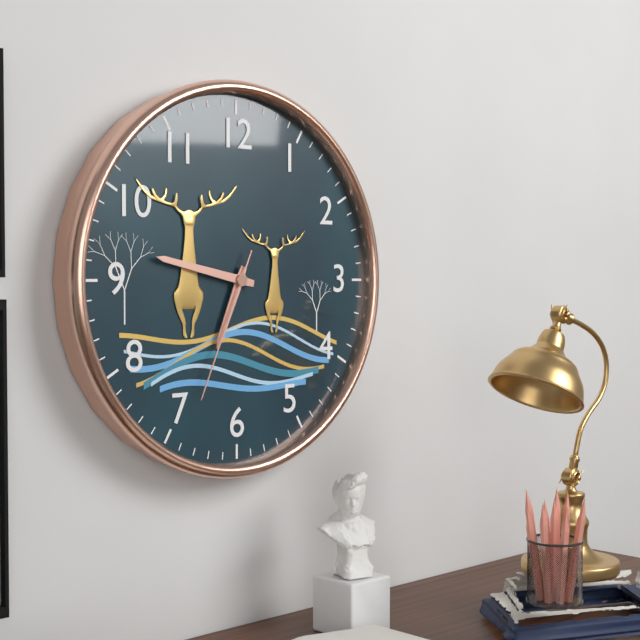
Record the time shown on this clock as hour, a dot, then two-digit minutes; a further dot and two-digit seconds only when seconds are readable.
6.47.34
